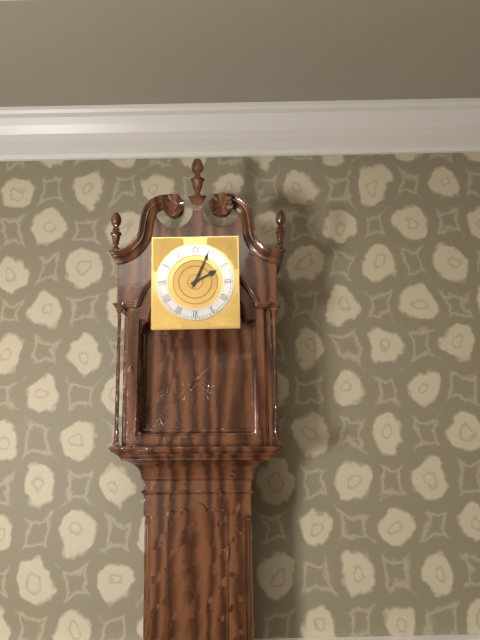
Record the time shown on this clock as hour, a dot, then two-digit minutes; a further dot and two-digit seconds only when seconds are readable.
2.04
